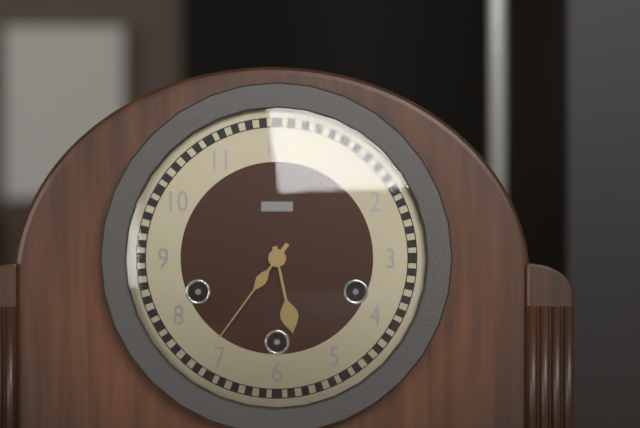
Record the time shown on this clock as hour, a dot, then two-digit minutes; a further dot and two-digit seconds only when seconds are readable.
5.36
